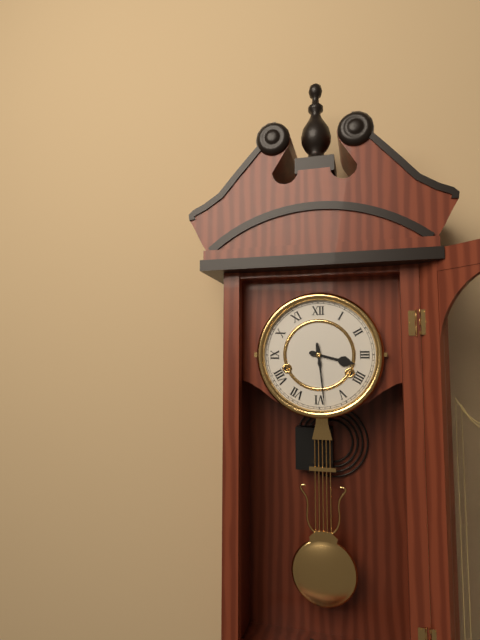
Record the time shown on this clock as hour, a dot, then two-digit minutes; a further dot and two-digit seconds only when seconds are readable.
3.29
